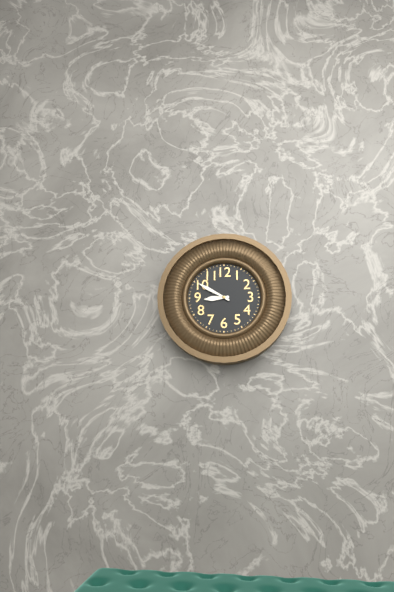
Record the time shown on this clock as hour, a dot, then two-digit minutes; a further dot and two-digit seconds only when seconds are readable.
8.50
